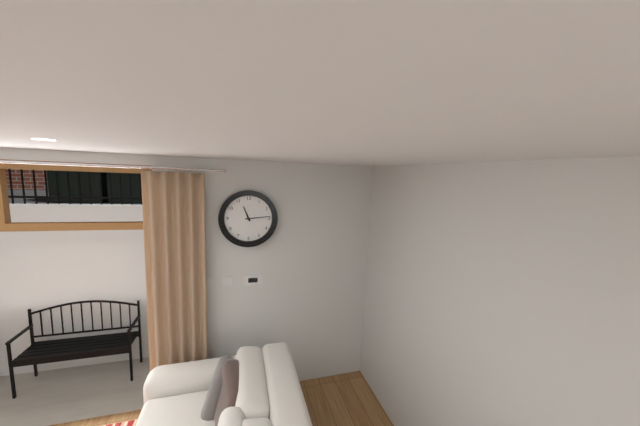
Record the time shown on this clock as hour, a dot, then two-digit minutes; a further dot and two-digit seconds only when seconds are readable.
11.14
